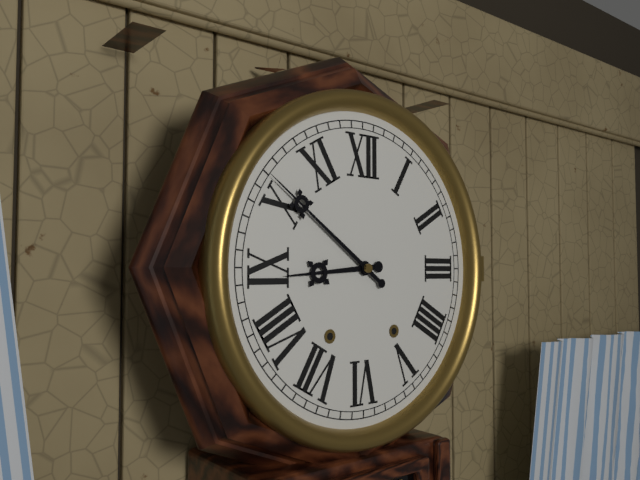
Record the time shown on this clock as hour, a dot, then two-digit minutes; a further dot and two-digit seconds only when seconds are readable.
8.51
